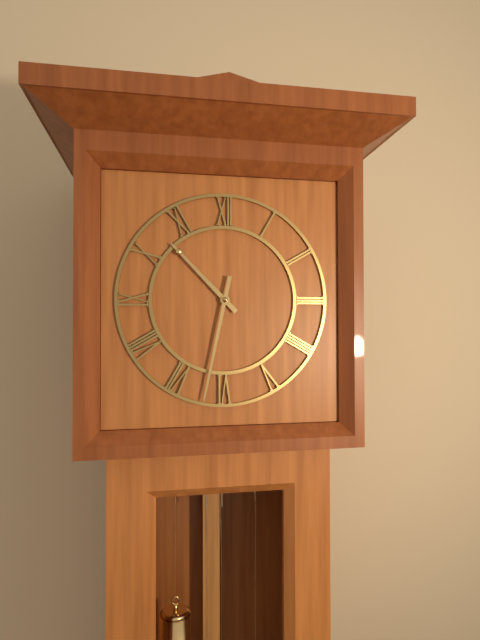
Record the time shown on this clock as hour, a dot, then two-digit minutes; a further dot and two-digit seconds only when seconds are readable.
10.32
